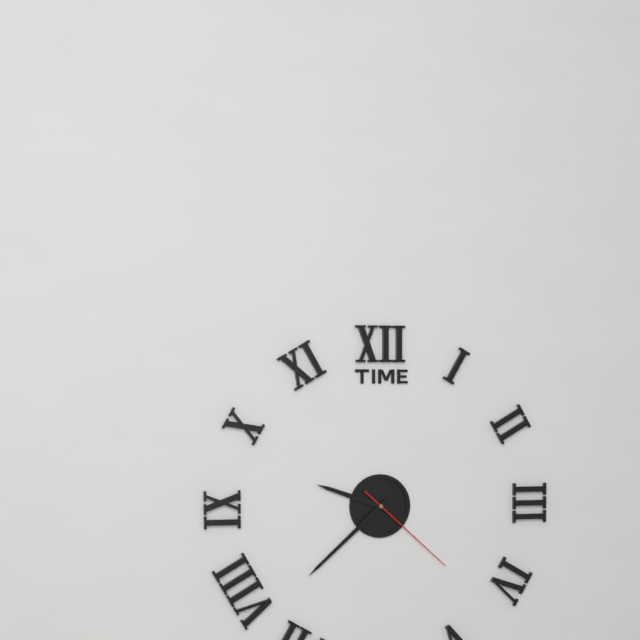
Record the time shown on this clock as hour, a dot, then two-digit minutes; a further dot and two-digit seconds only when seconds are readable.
9.38.22
